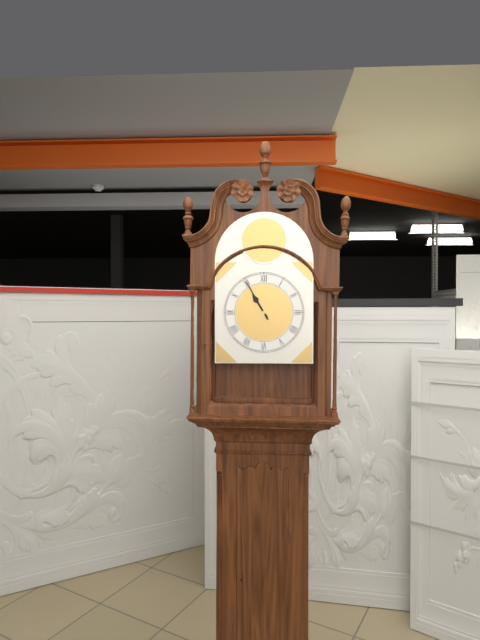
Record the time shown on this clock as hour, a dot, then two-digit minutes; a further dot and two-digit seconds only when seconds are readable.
10.55
